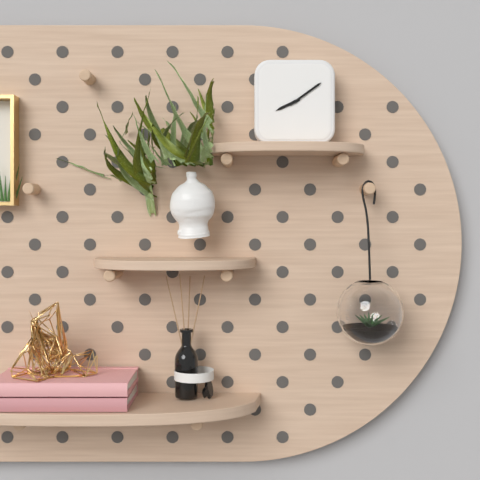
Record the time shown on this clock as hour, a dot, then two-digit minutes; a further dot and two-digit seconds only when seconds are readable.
8.09
